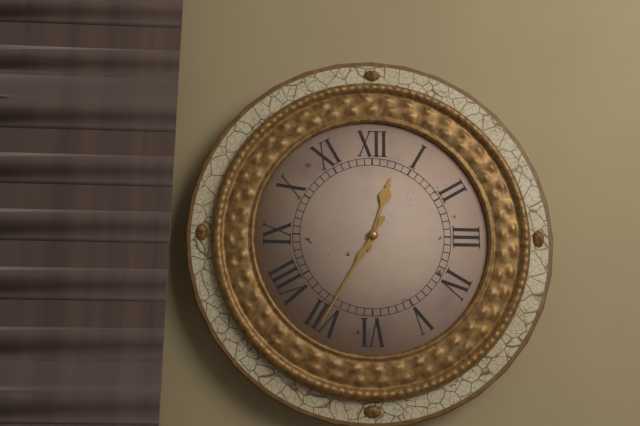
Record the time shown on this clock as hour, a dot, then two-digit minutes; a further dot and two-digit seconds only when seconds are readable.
12.35
